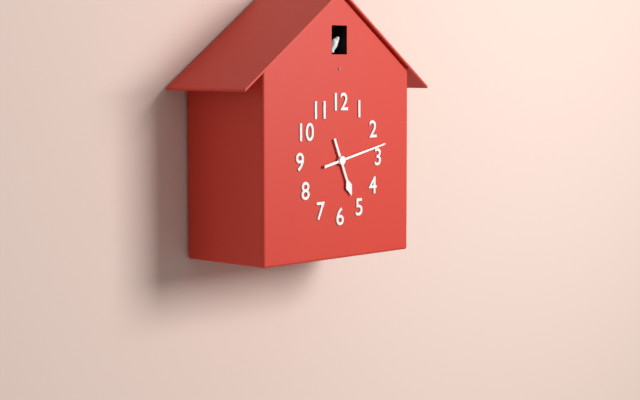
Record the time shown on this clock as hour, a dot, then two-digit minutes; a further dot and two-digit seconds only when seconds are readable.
5.13
